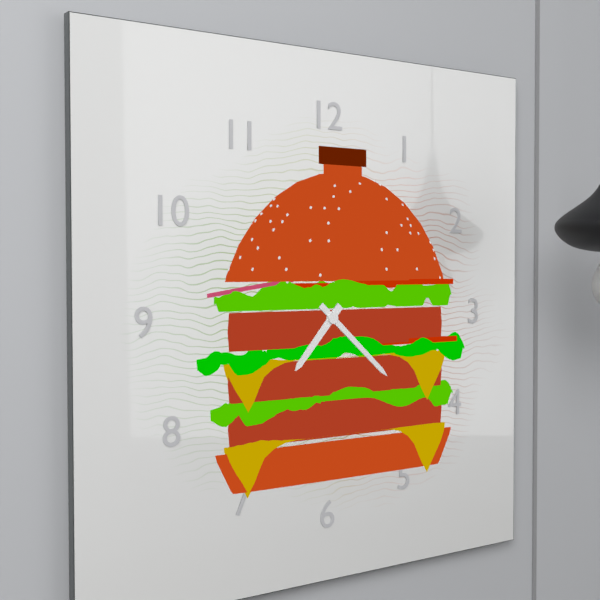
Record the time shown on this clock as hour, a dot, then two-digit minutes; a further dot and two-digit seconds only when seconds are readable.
7.22
